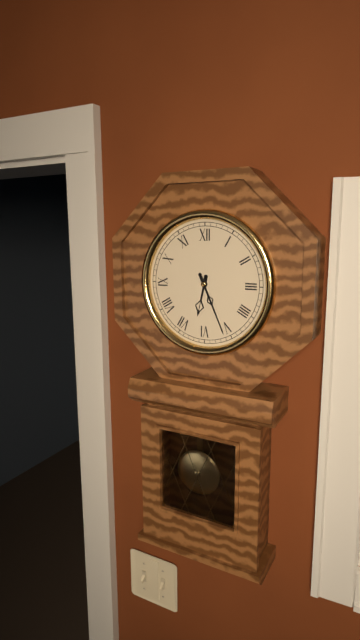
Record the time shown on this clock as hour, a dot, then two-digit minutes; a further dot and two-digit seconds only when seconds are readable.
6.26
